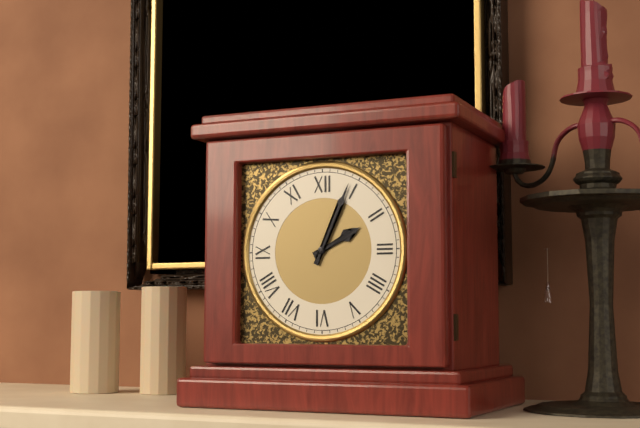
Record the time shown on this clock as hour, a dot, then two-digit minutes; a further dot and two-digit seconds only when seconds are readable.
2.04
